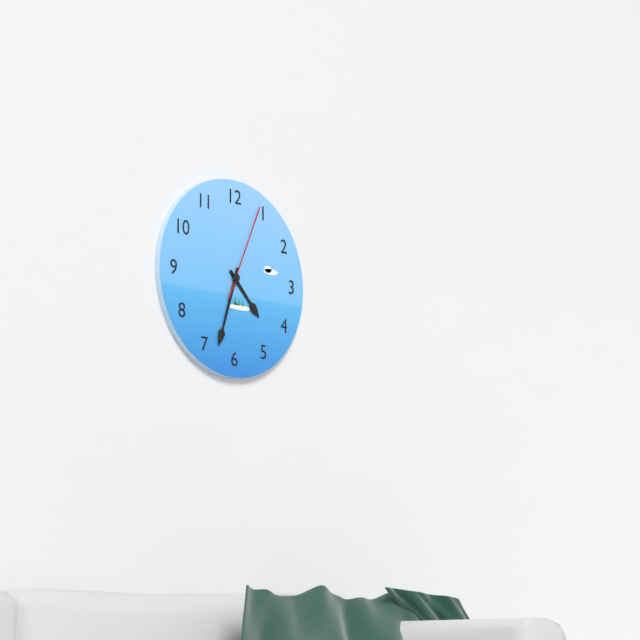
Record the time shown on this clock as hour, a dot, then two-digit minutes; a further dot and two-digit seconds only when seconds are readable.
4.33.04
